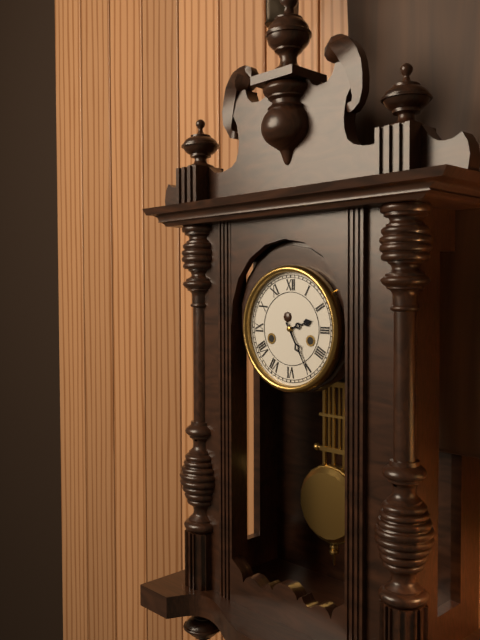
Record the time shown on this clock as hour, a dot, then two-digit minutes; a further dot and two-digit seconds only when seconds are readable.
2.25
